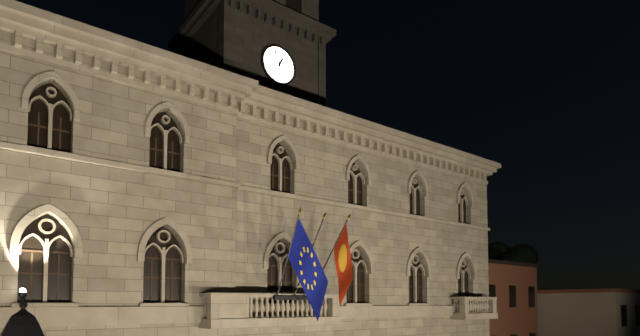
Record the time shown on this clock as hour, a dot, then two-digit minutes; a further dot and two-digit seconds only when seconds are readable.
12.56
